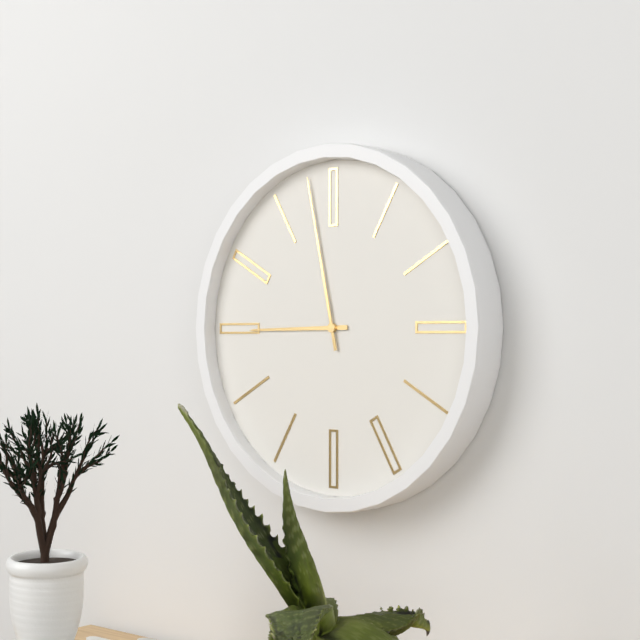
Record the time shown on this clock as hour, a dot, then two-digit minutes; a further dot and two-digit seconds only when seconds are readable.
8.58
